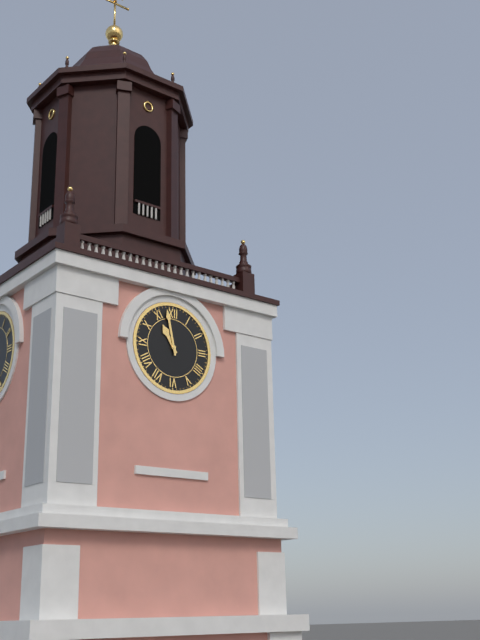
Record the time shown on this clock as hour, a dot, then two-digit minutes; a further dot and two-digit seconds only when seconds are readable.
10.58
